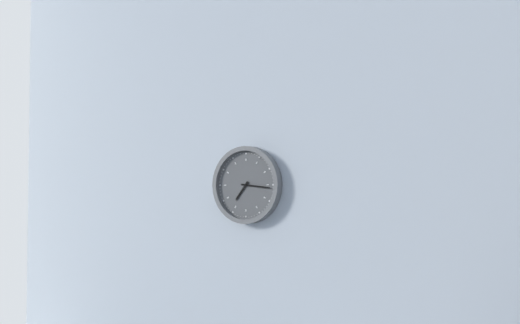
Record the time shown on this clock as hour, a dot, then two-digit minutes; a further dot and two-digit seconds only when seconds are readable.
7.16
